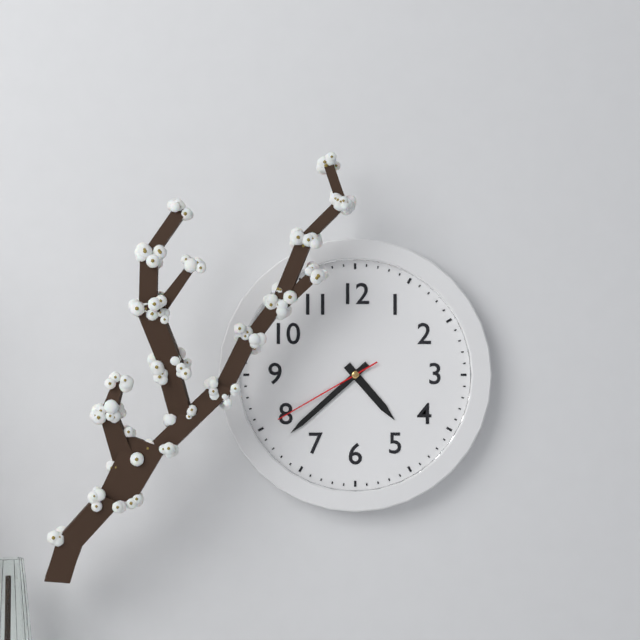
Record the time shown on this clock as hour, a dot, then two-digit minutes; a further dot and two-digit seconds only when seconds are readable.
4.38.40
